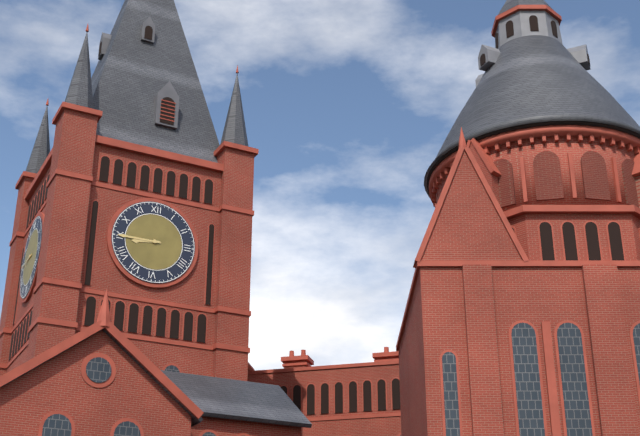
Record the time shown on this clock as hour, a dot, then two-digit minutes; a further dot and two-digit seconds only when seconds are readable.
8.45
